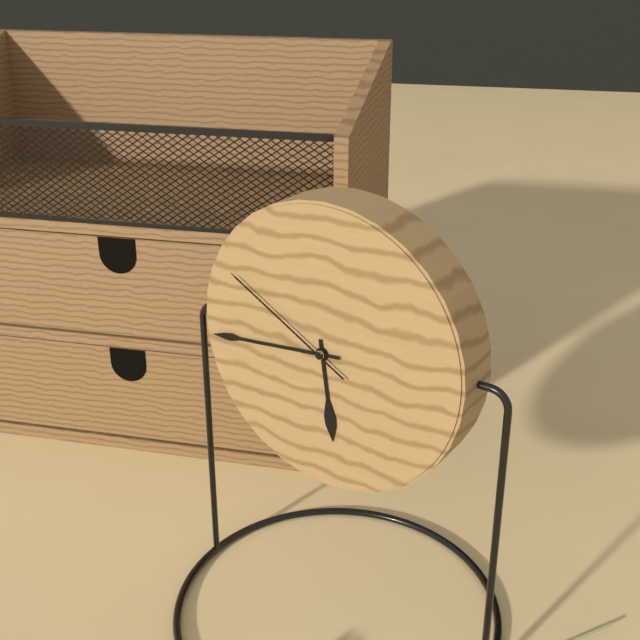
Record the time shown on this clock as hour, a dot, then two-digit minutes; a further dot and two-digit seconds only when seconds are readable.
5.44.50
